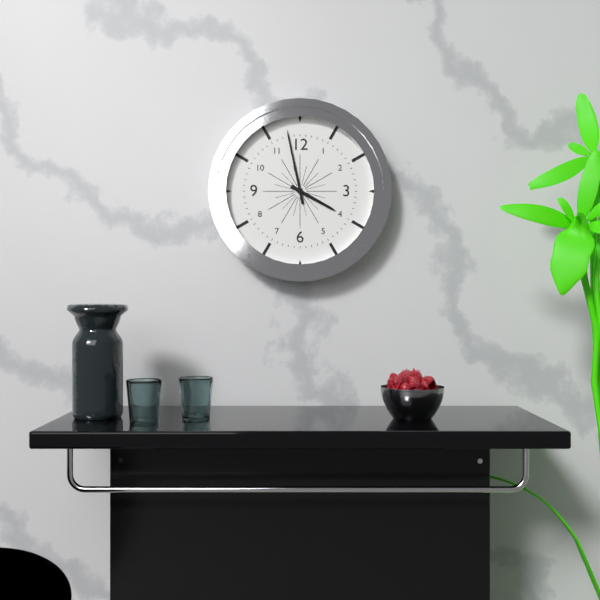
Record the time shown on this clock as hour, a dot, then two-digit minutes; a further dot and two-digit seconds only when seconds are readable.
3.58
